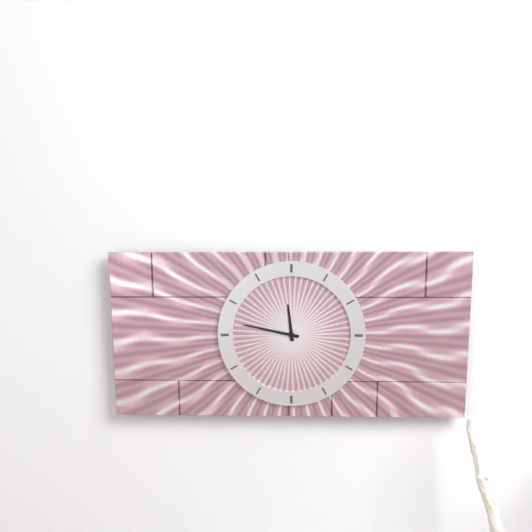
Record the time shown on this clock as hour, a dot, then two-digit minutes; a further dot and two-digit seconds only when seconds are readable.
11.47
